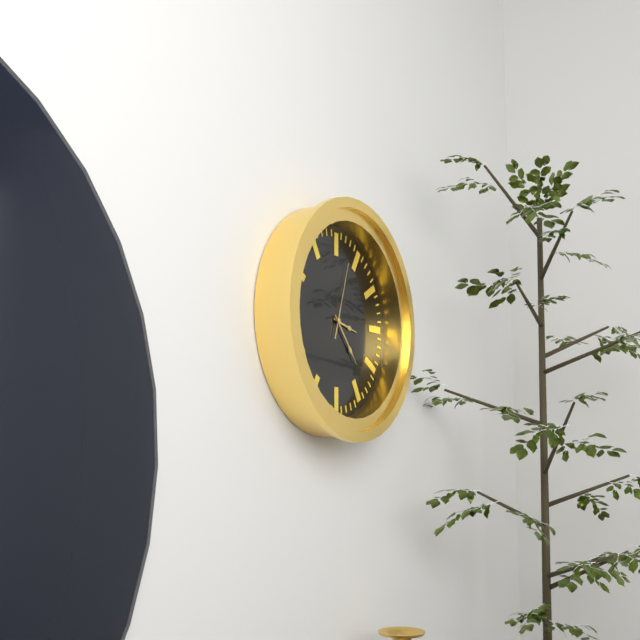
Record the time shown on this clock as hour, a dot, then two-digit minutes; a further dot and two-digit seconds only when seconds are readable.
3.23.03
